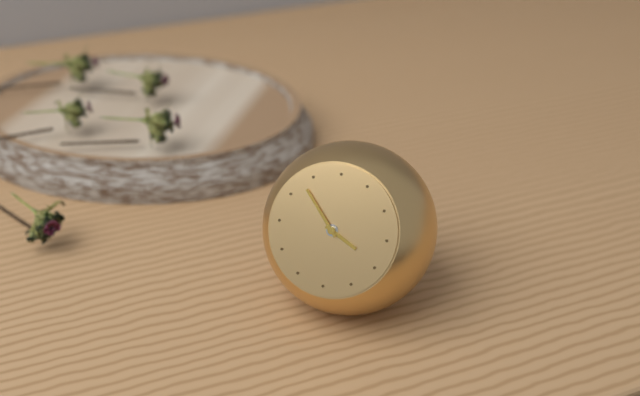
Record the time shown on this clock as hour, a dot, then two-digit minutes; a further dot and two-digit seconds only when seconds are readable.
3.53
